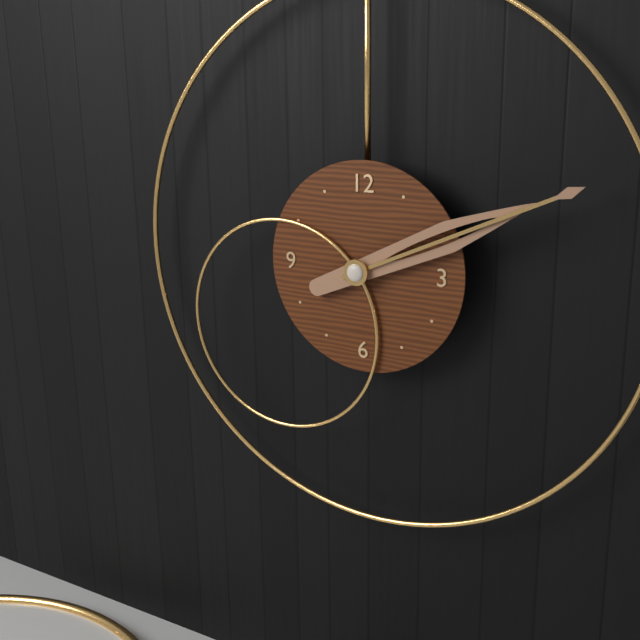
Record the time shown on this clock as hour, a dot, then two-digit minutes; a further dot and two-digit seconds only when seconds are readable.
2.11
